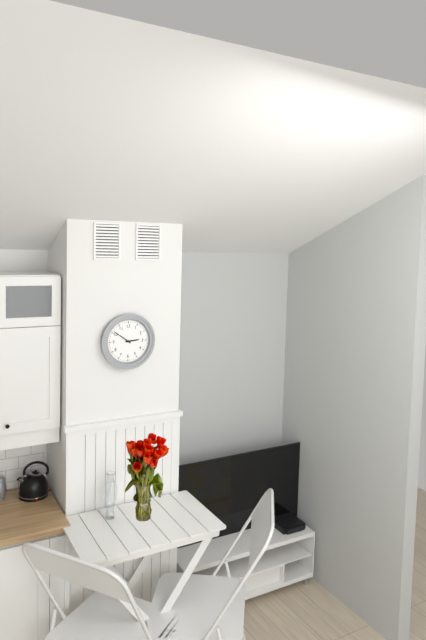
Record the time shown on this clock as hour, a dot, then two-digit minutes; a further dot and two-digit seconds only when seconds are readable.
2.51
